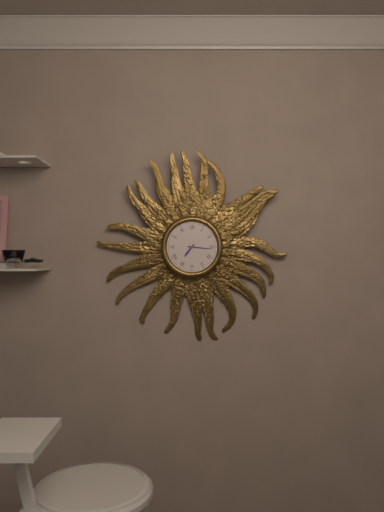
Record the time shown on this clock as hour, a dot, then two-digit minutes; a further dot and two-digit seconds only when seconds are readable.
7.16
